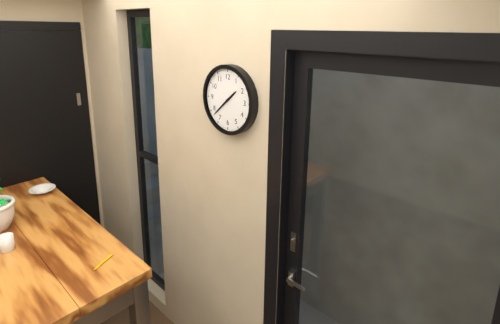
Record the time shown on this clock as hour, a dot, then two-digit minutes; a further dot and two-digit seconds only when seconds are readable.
1.38
